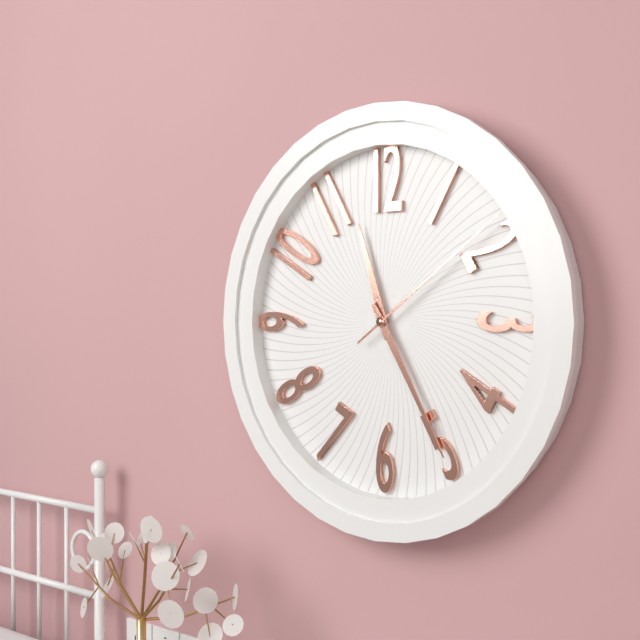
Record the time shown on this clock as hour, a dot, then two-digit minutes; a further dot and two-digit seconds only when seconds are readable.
11.25.09
